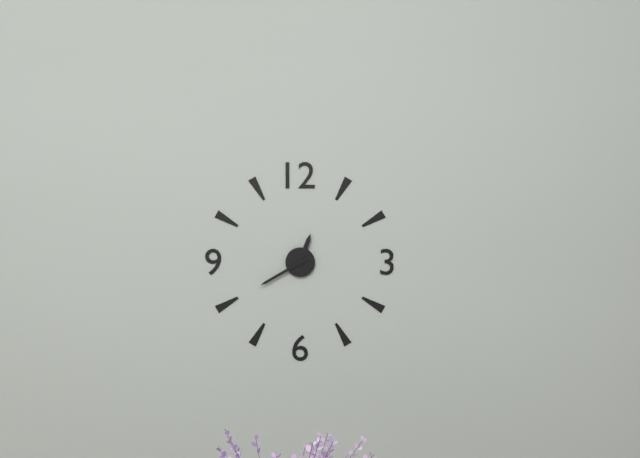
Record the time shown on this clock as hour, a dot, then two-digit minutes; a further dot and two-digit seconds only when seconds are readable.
12.40
